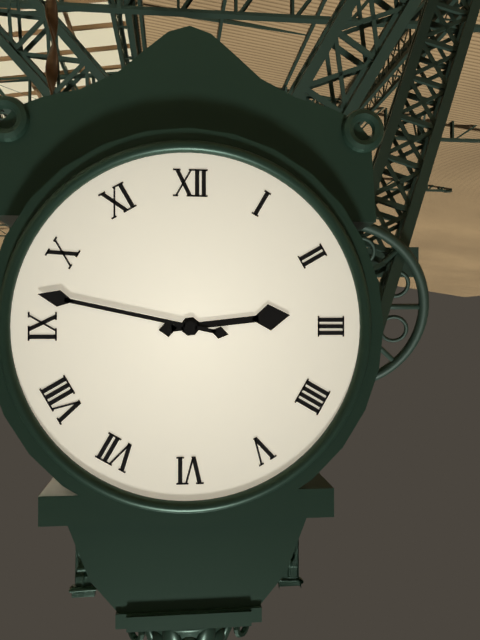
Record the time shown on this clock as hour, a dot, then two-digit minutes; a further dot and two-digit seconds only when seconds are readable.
2.47
